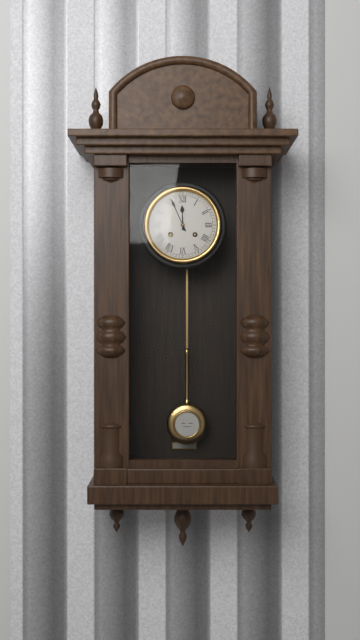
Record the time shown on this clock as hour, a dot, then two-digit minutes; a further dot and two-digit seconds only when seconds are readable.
11.56
